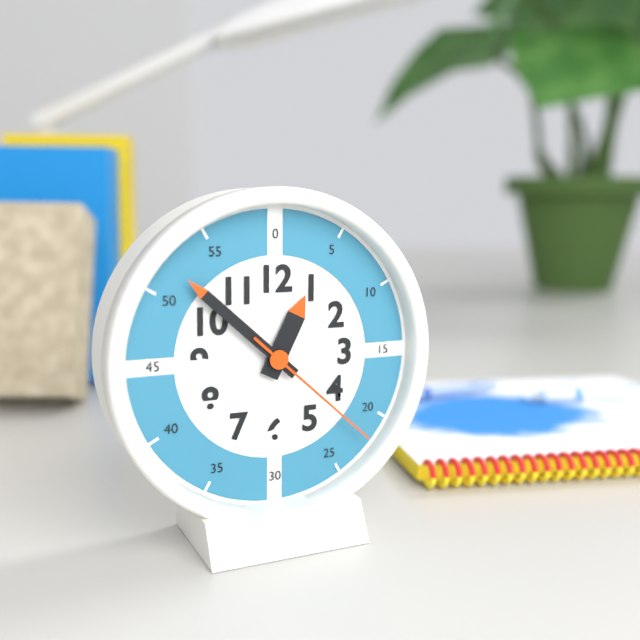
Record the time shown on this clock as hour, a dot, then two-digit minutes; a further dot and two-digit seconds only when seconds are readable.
12.52.22
